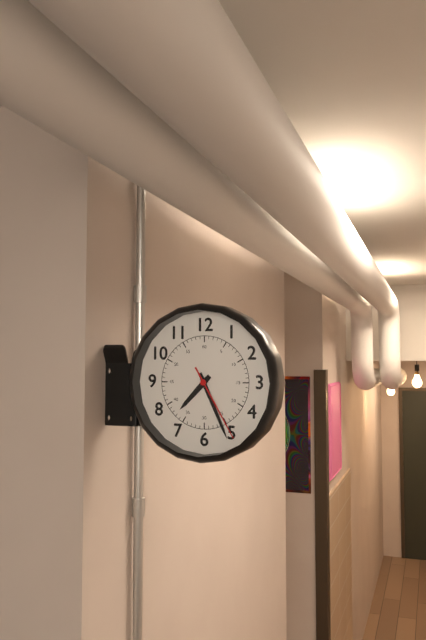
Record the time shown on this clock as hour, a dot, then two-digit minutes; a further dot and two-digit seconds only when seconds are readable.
7.26.25
